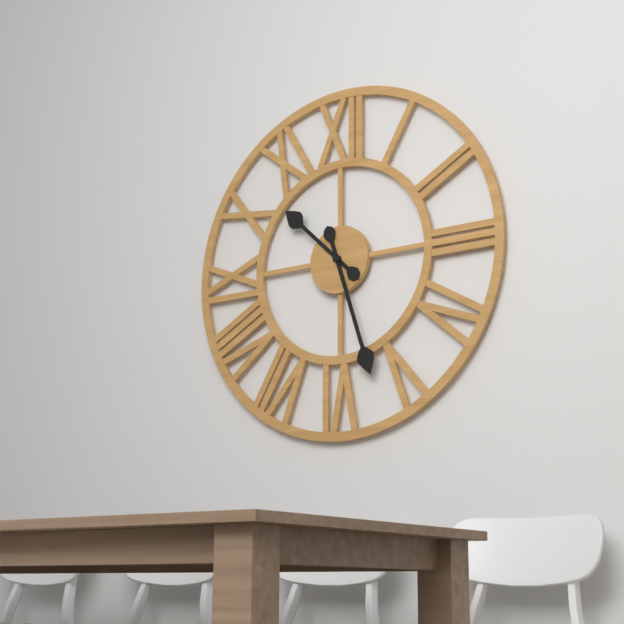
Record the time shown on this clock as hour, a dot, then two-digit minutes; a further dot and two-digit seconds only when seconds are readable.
10.27
